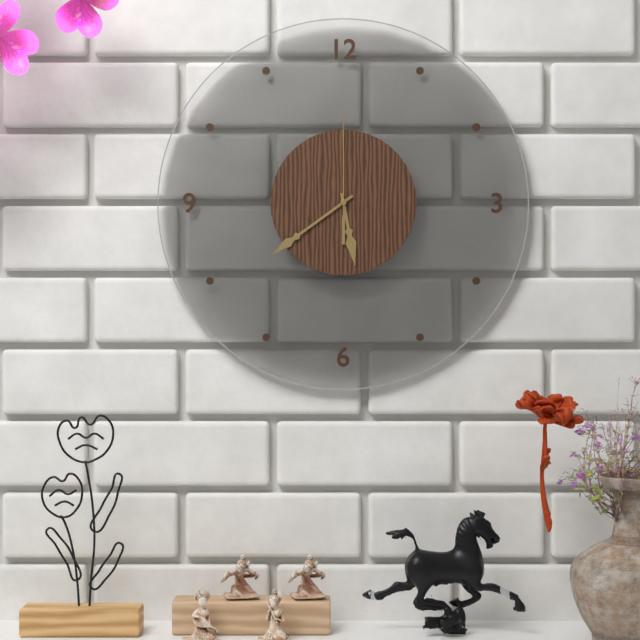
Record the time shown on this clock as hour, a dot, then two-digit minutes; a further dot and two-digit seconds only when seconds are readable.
5.39.00
